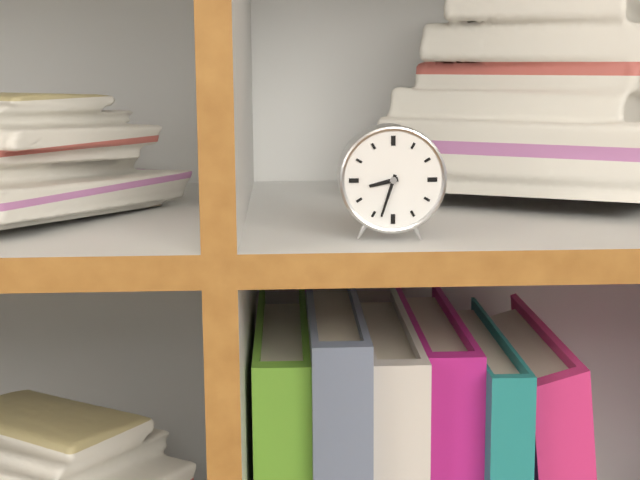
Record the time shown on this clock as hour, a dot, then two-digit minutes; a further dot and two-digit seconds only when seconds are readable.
8.33
